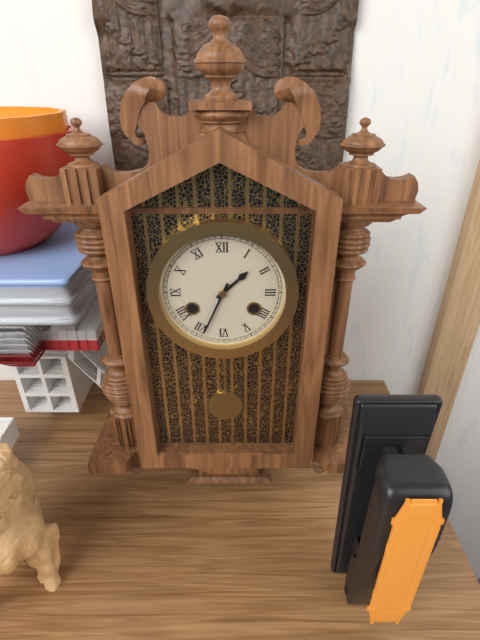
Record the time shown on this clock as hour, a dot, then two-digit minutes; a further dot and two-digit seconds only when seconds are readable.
1.34
